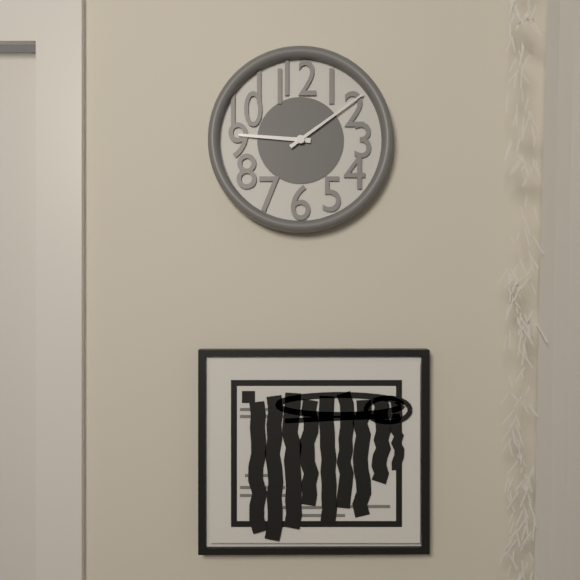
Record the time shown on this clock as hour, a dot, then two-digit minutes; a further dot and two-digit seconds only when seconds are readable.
9.09
